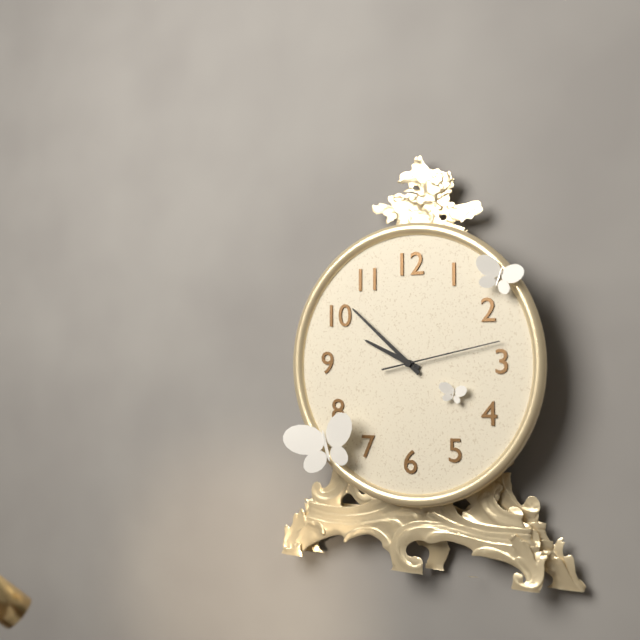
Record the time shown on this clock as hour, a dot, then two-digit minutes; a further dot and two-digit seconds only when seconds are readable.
9.52.13
